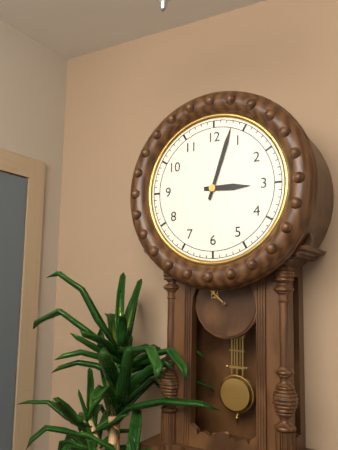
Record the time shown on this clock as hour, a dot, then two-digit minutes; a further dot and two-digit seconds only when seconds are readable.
3.03
